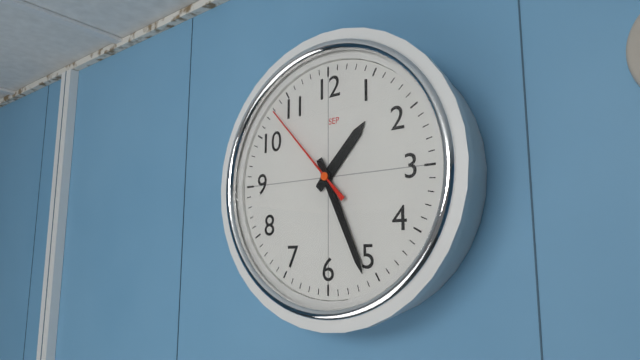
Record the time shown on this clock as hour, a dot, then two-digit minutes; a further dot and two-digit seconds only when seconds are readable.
1.26.53
